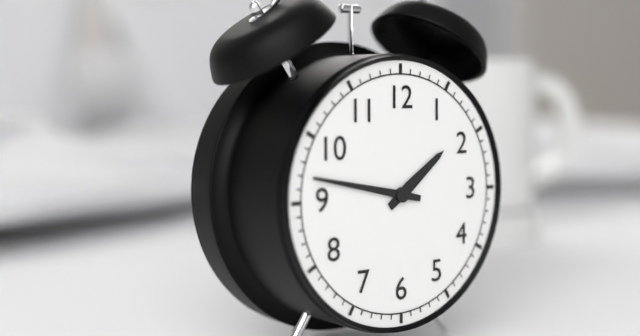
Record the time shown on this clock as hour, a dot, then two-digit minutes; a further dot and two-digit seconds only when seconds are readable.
1.47
